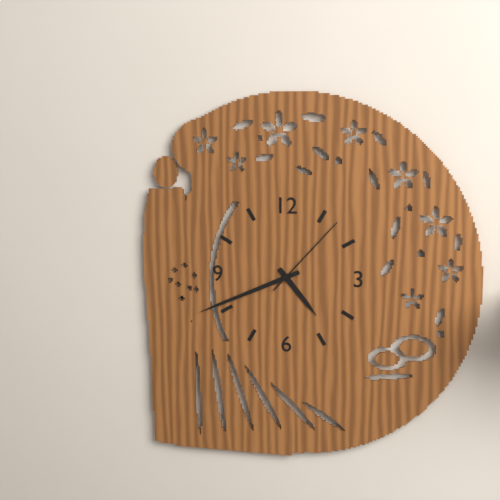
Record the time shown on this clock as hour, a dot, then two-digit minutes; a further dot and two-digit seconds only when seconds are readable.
4.41.07
